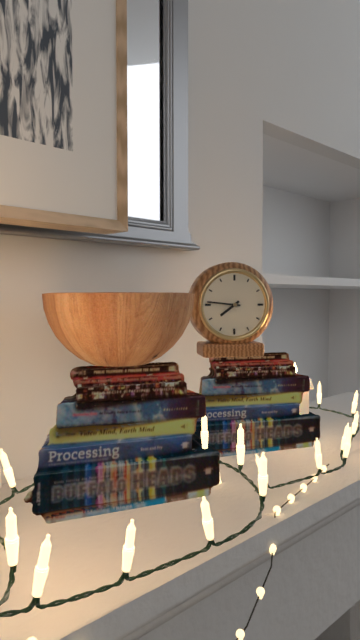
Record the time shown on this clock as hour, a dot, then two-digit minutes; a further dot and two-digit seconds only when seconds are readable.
7.46
